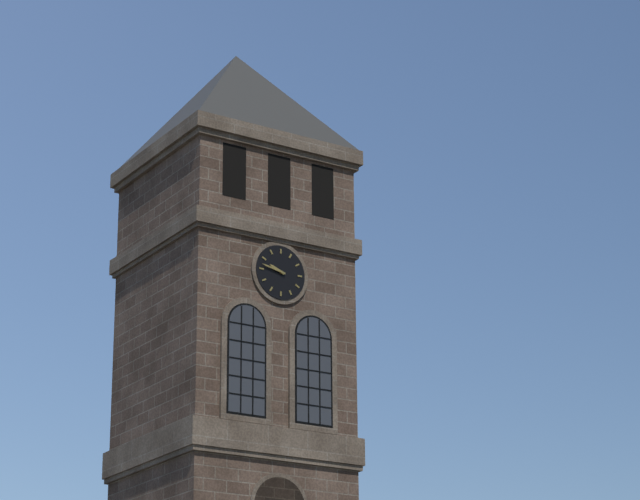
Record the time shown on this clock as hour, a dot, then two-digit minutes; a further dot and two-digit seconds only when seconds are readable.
9.47
